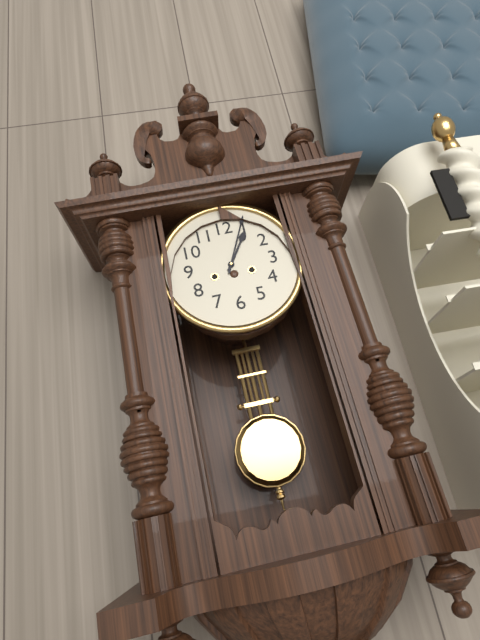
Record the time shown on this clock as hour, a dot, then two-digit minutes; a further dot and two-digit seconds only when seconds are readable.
1.04
